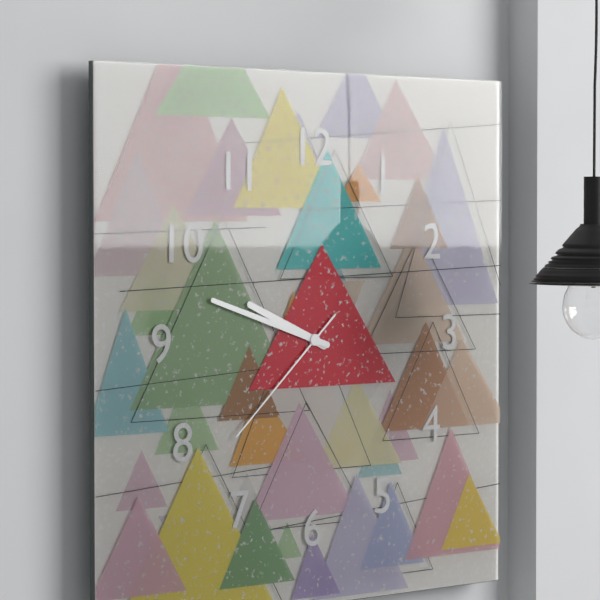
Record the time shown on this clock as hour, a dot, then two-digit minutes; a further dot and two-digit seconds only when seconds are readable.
9.48.38
